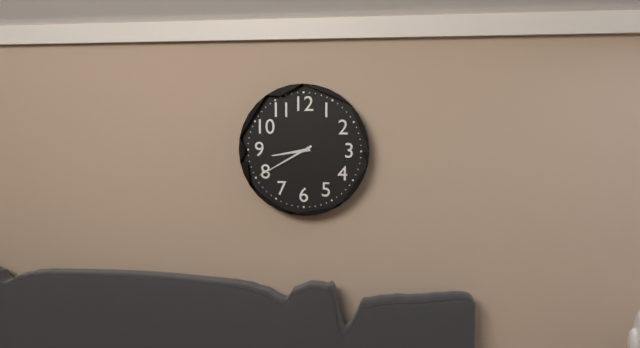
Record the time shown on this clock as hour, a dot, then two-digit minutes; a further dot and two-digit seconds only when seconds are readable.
8.40
